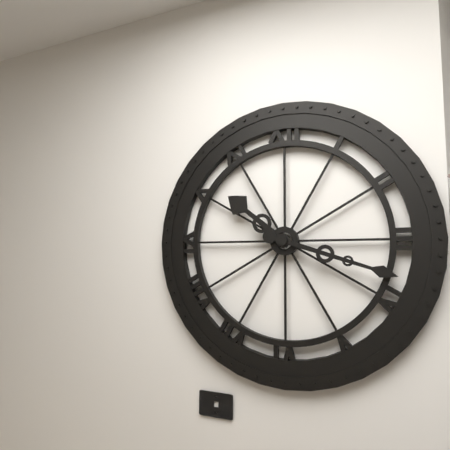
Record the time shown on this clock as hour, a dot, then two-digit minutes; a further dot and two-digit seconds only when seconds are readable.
10.18
